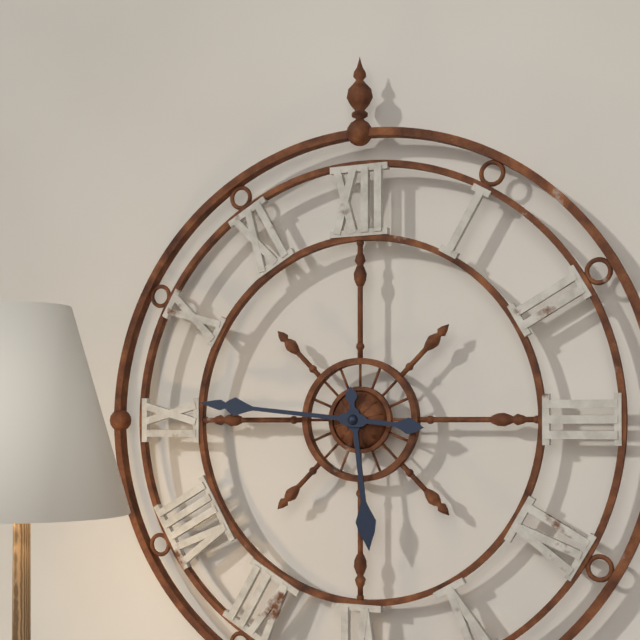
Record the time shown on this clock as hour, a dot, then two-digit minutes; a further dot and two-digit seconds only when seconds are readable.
5.46
